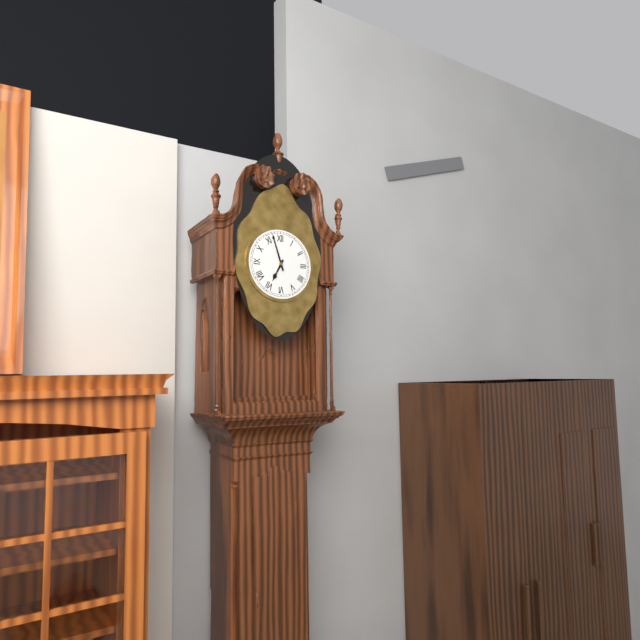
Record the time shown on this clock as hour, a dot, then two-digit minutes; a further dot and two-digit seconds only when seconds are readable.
6.57
